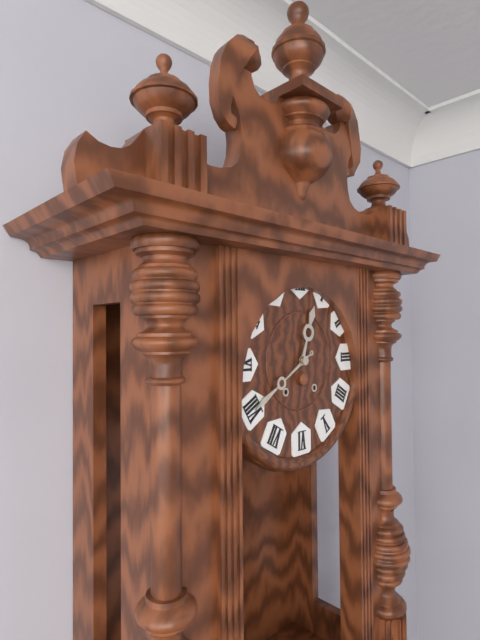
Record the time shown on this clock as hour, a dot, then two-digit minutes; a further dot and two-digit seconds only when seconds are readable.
12.40
